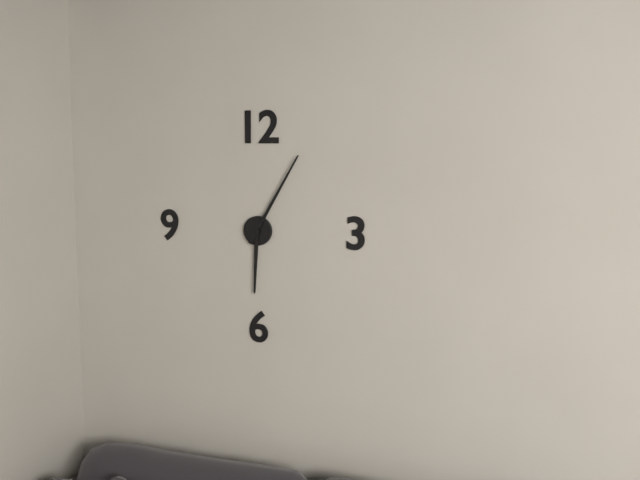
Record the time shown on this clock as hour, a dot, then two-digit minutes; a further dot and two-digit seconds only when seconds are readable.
6.05
